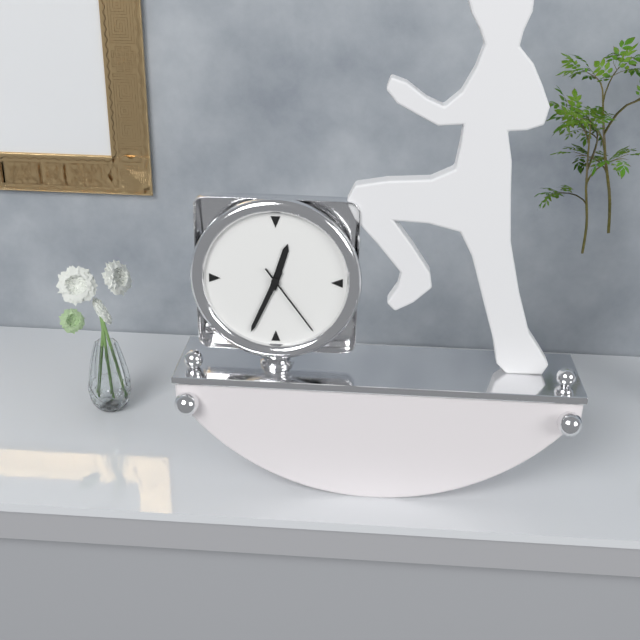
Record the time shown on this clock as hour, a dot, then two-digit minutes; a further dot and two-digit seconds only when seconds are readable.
12.34.24
